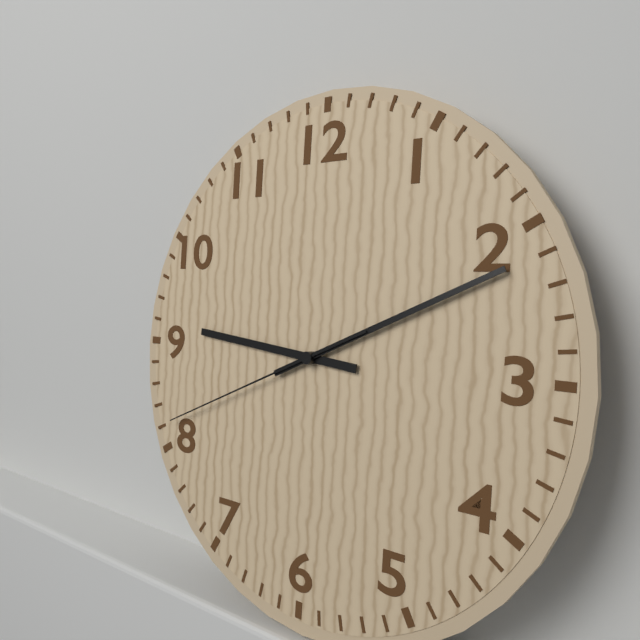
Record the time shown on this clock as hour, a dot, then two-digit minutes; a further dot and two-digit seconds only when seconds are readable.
9.11.41
